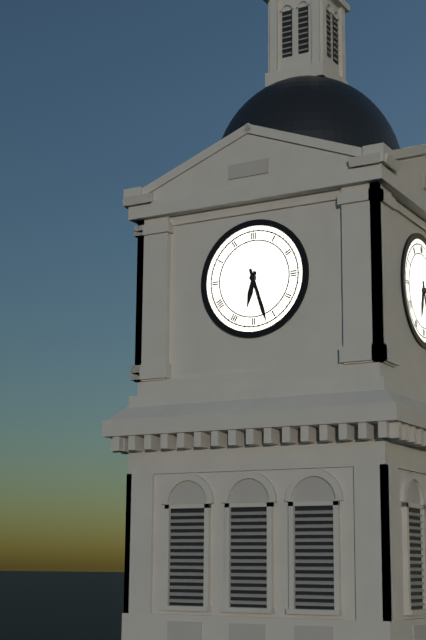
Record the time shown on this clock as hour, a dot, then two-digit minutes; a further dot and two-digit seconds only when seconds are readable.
6.27
